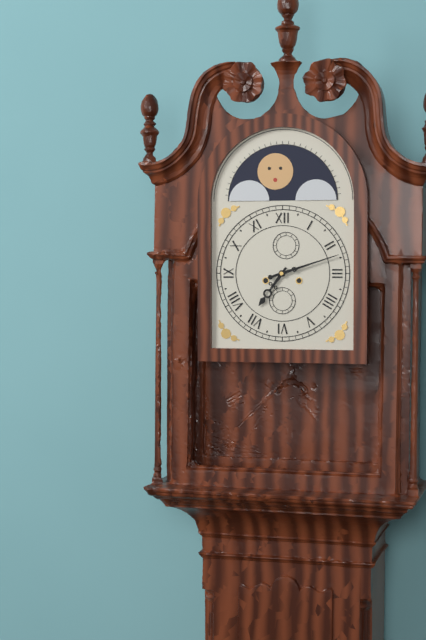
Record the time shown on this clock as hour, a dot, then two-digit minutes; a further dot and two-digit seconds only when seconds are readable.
7.12
